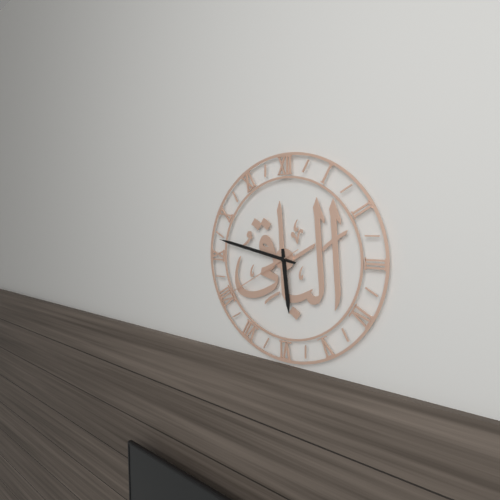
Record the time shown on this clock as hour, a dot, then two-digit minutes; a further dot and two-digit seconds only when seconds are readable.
5.47.40
